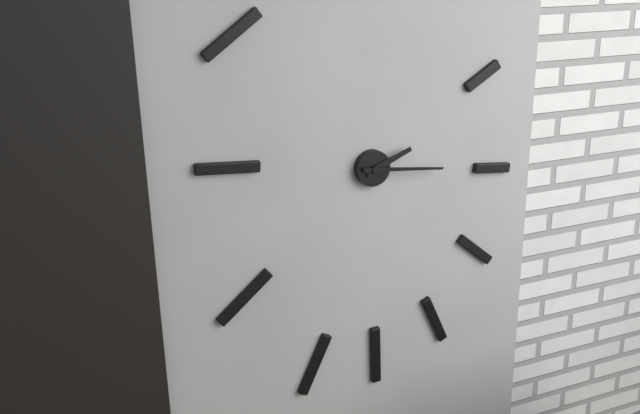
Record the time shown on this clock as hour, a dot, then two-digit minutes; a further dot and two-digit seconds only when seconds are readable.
2.16
